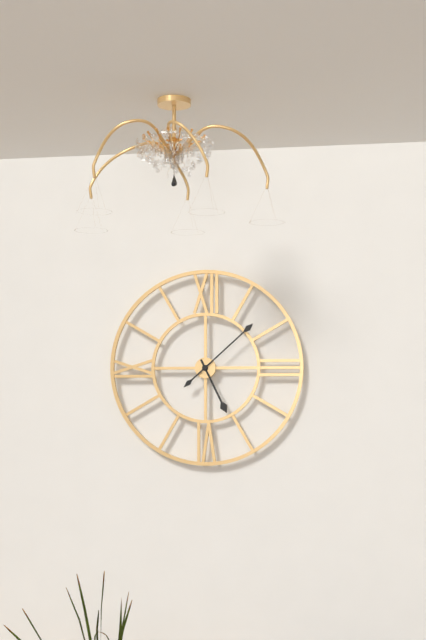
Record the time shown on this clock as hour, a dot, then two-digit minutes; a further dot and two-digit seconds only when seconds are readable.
5.08
